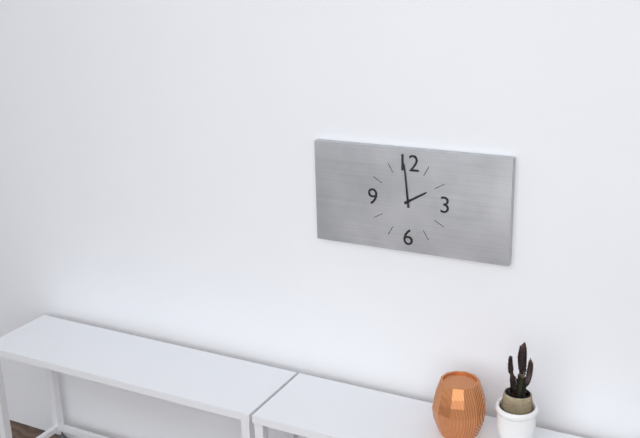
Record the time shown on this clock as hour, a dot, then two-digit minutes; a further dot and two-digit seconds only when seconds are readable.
1.59
